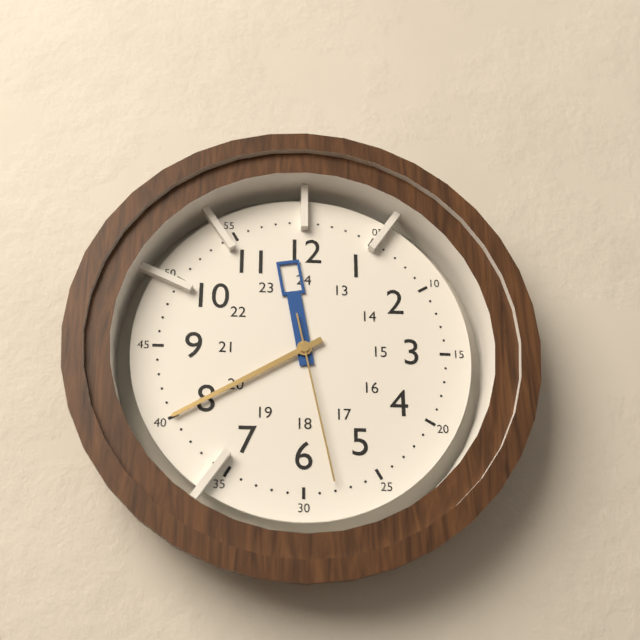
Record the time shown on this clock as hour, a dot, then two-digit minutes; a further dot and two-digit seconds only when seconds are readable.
11.40.28
